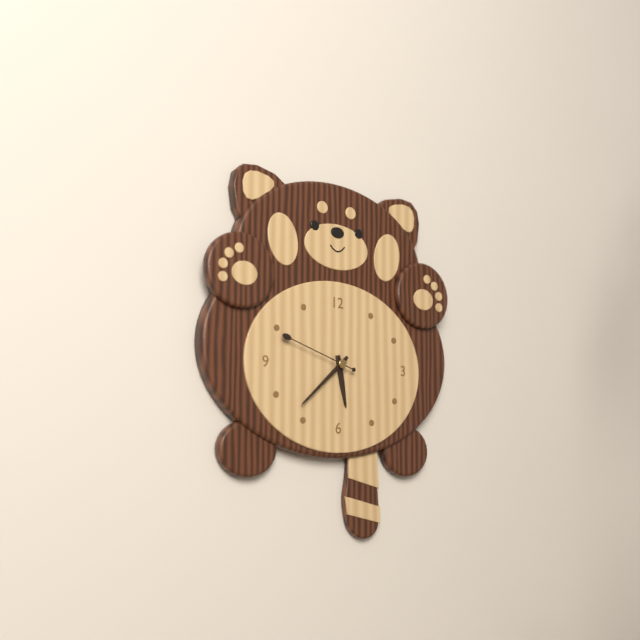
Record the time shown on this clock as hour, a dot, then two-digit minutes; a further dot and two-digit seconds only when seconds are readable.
5.38.48
